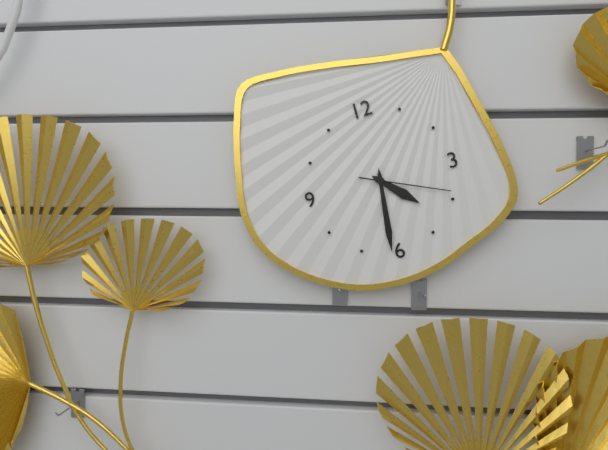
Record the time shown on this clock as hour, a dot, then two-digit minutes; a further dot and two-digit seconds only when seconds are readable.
4.31.19
